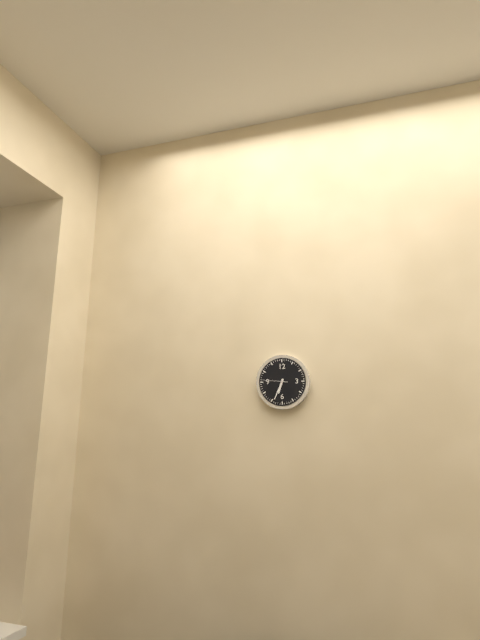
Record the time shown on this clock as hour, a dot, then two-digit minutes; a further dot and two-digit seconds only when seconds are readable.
6.34
